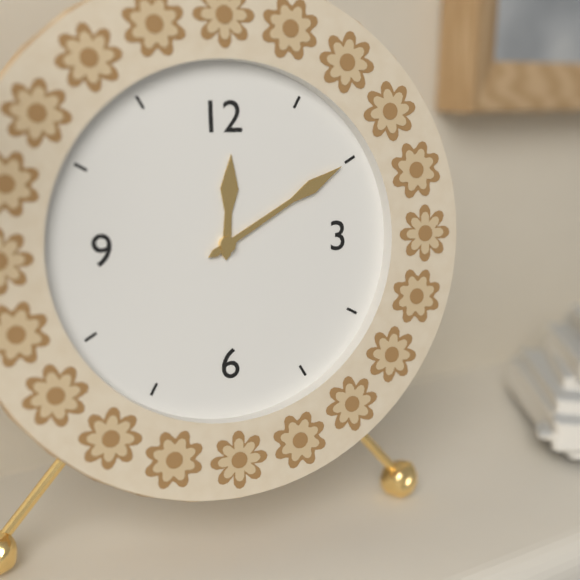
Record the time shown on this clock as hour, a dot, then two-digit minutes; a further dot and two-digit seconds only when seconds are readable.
12.10
